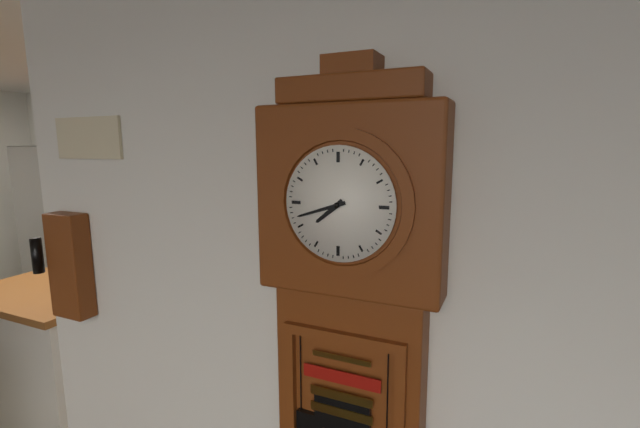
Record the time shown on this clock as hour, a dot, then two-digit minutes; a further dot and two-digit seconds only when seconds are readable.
7.42
